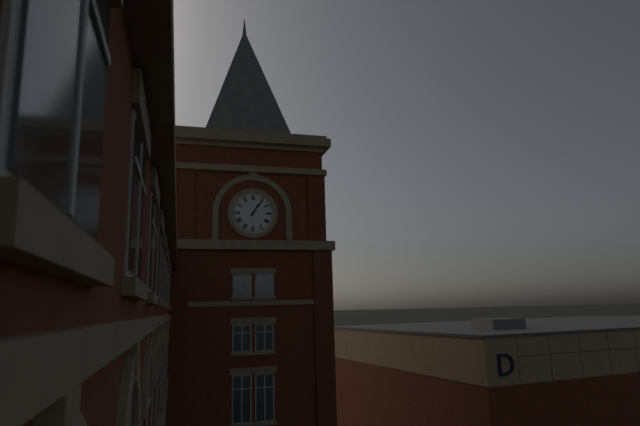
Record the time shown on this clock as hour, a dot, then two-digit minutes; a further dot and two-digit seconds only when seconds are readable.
1.06
